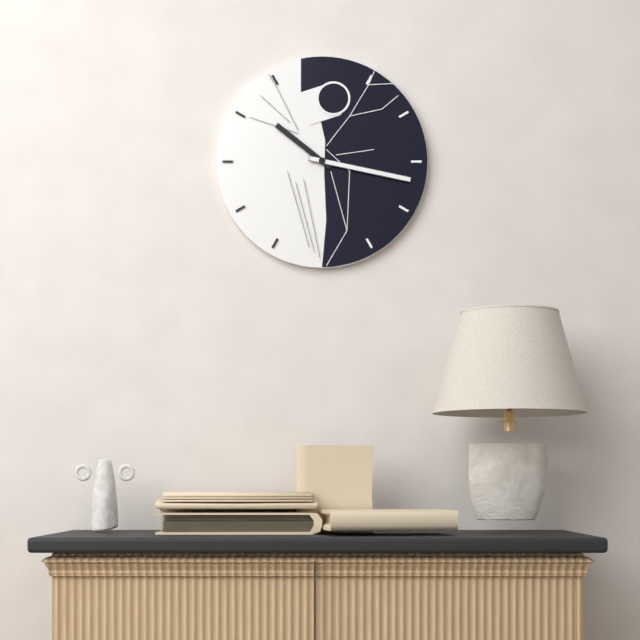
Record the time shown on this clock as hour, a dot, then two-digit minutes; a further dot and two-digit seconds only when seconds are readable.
10.17
